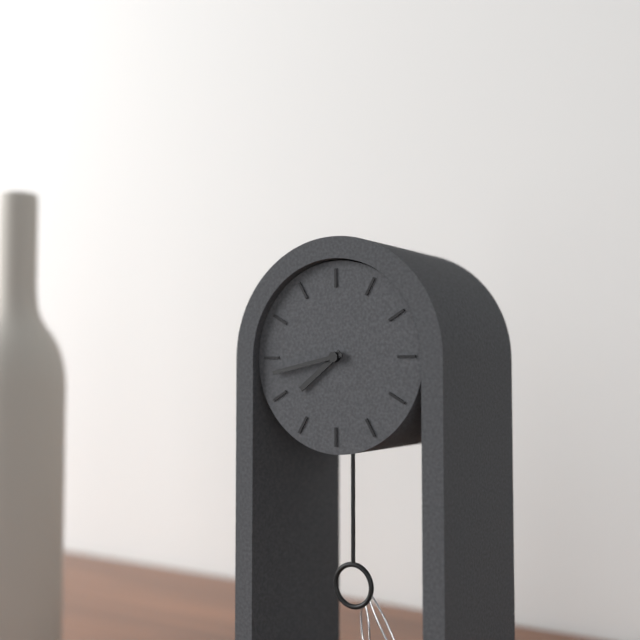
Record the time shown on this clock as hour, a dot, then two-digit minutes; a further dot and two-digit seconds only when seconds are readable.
7.43
